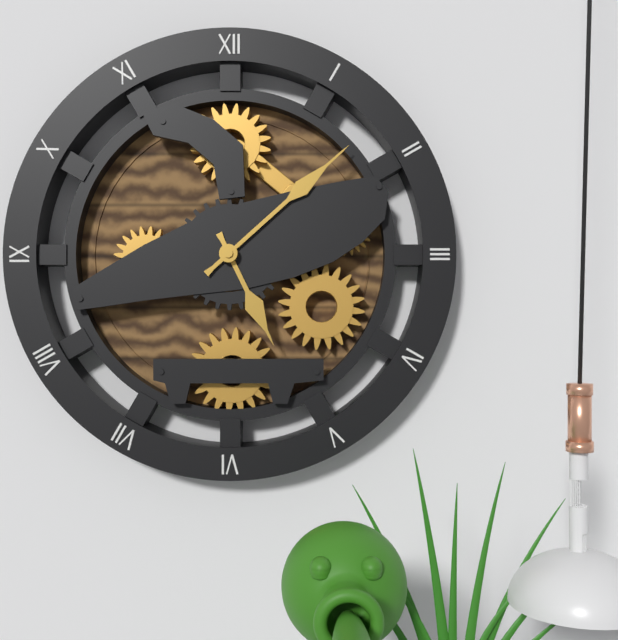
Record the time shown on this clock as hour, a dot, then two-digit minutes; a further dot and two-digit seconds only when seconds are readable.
5.08
